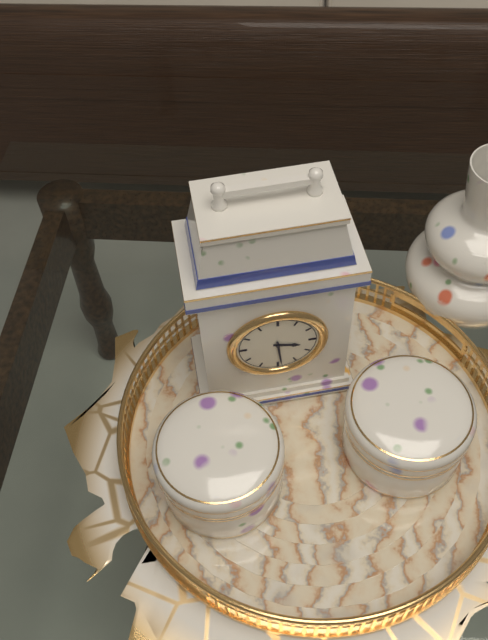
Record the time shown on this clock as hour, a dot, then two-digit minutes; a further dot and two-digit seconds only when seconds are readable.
3.29
